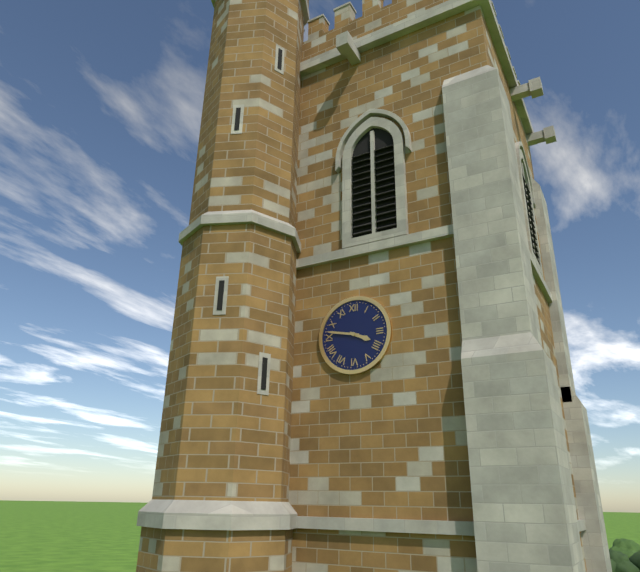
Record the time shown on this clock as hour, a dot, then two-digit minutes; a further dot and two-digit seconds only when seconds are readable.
3.47
